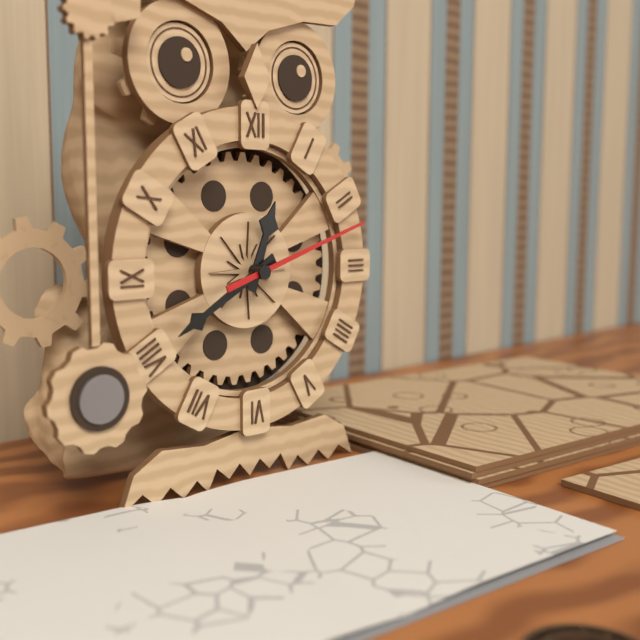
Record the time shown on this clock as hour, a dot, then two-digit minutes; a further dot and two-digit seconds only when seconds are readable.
12.40.12
